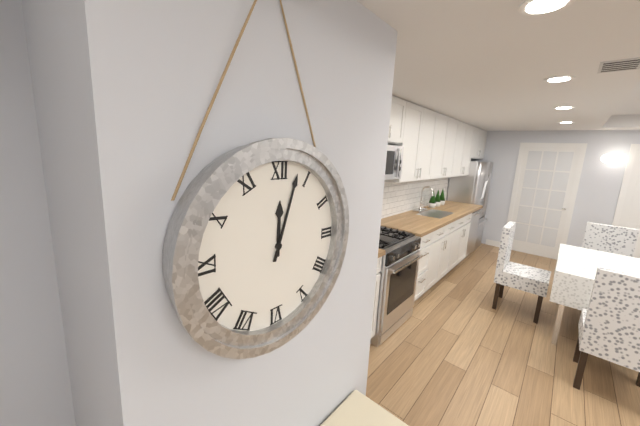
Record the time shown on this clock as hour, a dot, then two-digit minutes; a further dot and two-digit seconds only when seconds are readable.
12.03
